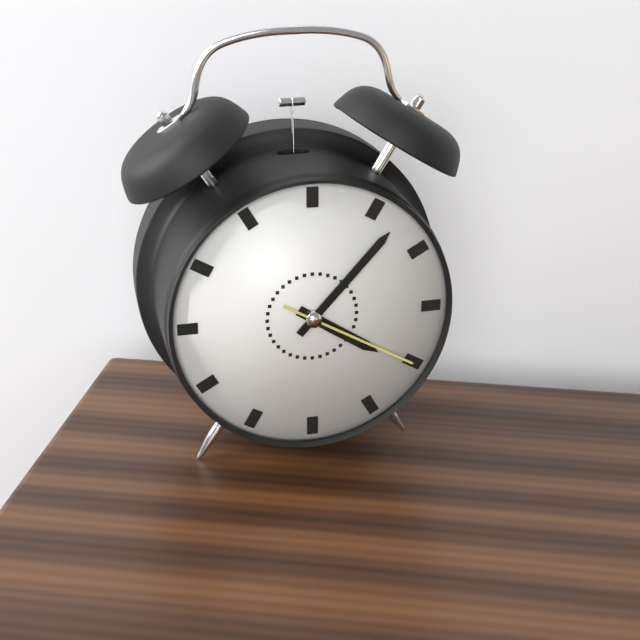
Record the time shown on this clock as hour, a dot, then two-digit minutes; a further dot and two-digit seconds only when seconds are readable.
4.07.20
